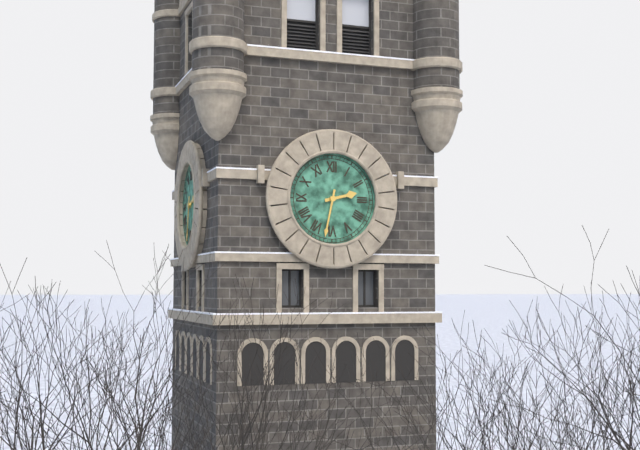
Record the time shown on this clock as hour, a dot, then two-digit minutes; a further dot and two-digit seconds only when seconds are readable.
2.32
